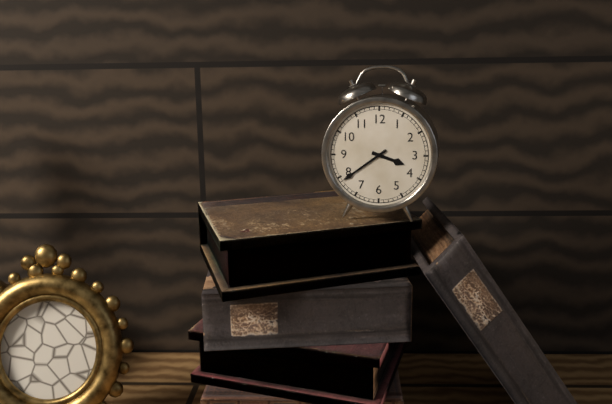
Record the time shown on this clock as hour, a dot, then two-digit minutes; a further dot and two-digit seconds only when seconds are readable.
3.39
